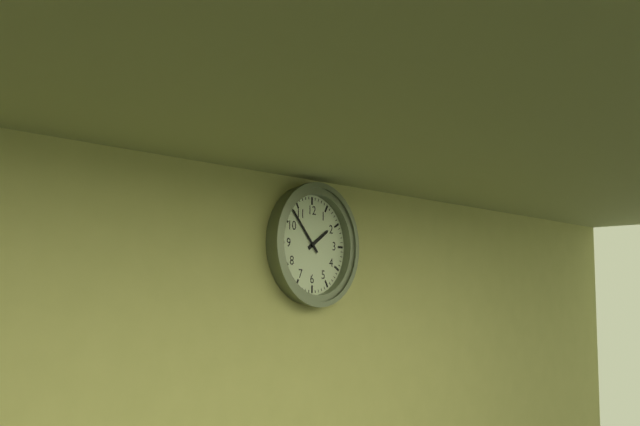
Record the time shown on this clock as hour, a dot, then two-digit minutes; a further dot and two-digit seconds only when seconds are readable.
1.53
